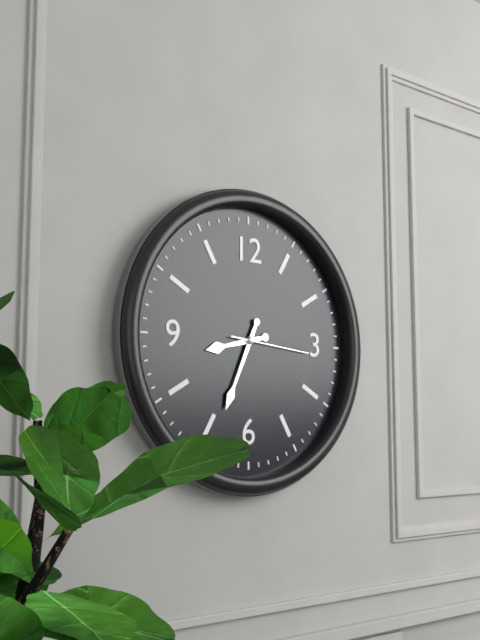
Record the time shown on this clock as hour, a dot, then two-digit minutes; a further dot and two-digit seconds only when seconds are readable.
8.34.16
